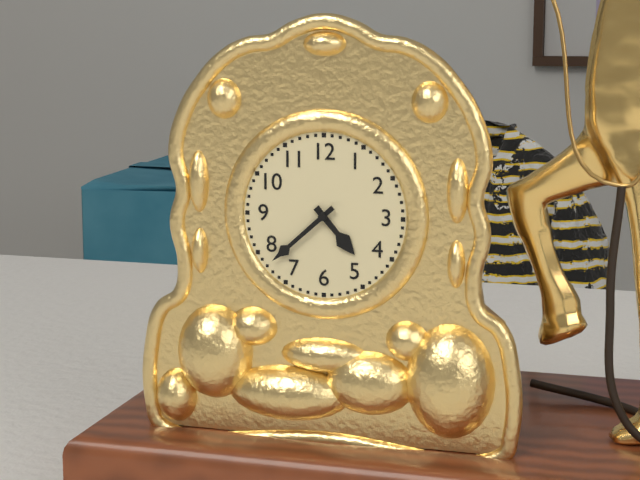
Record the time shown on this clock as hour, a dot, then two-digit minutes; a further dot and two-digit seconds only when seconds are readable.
4.38
